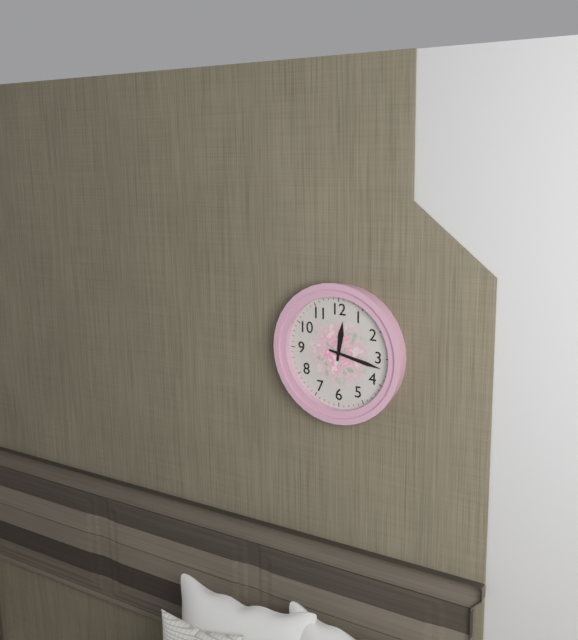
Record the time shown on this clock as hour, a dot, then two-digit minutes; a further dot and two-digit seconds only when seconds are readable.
12.17
